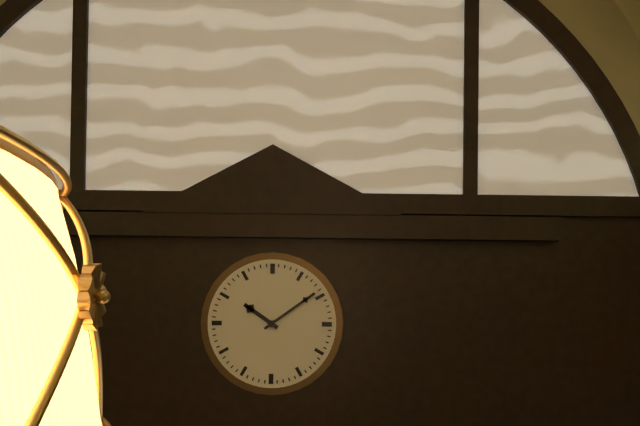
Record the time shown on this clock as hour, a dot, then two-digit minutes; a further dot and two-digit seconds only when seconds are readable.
10.09
